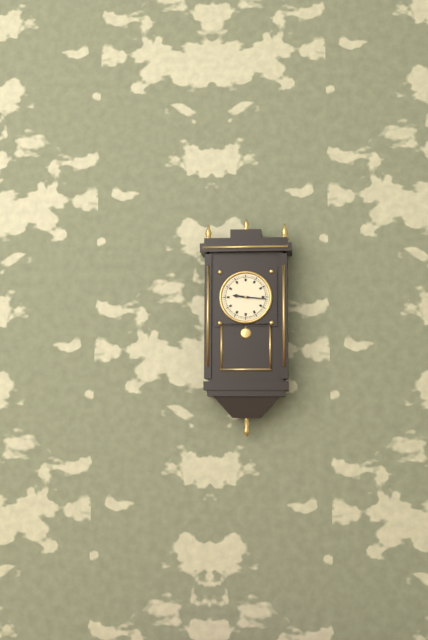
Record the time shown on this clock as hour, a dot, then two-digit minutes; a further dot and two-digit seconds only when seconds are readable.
9.16
